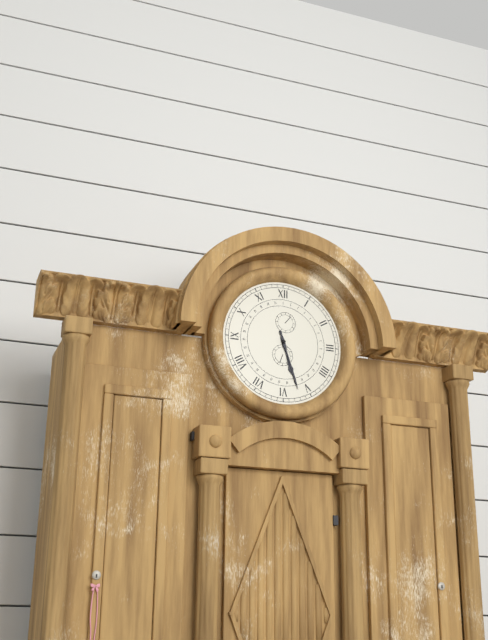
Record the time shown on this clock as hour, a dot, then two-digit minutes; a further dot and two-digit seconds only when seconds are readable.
5.27
